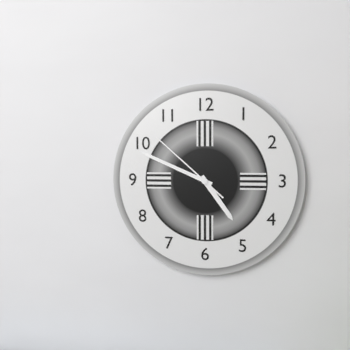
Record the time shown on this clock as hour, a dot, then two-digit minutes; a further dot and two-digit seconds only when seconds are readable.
4.49.52
